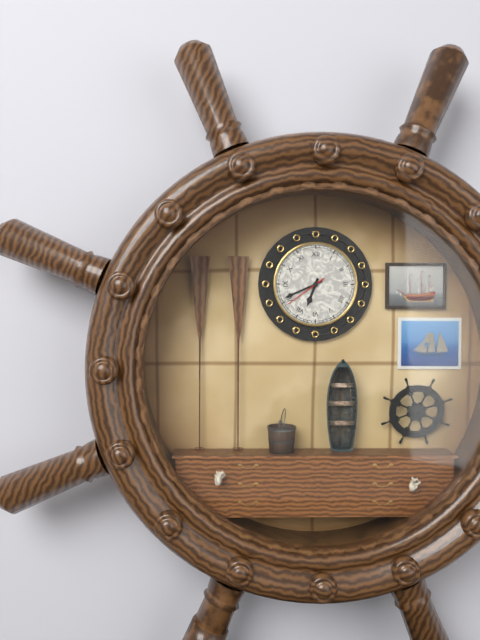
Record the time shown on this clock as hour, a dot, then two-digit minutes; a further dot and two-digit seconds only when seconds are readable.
6.41
